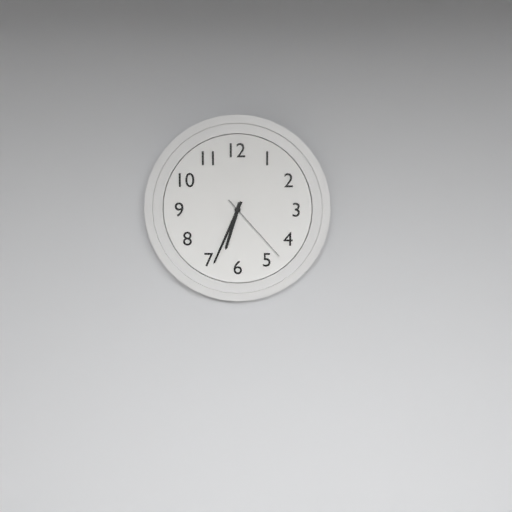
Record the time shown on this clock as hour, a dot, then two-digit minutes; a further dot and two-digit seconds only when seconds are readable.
6.34.23
